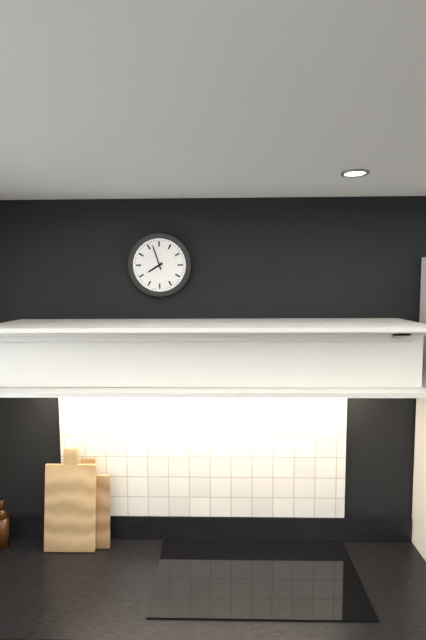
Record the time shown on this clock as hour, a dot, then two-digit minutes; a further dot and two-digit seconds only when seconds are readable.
7.57
